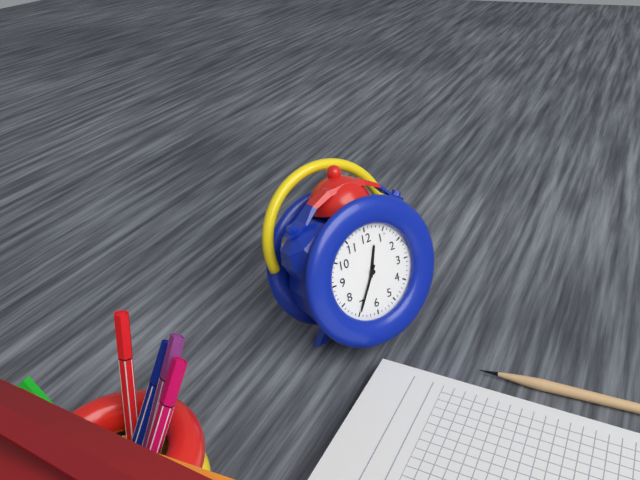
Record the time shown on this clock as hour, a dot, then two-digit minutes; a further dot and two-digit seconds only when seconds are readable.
12.35
